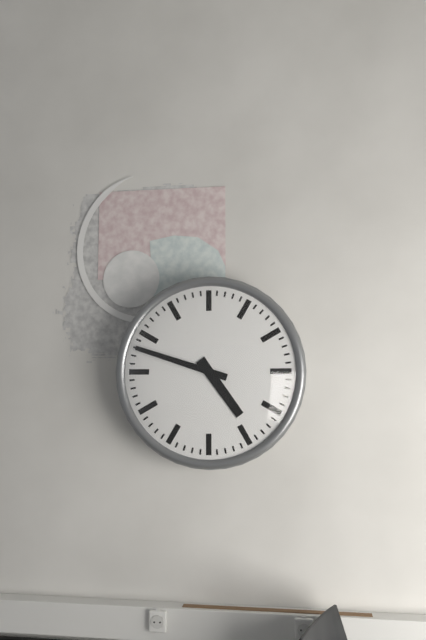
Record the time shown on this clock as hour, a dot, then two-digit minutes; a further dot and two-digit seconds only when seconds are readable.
4.48
